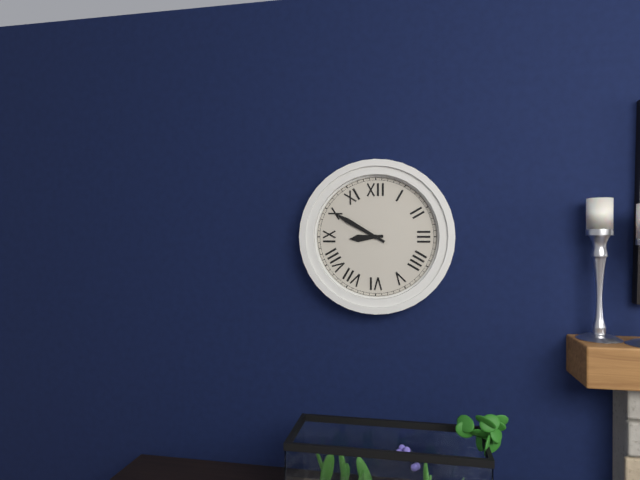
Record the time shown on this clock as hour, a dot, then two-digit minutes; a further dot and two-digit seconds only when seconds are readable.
8.50
